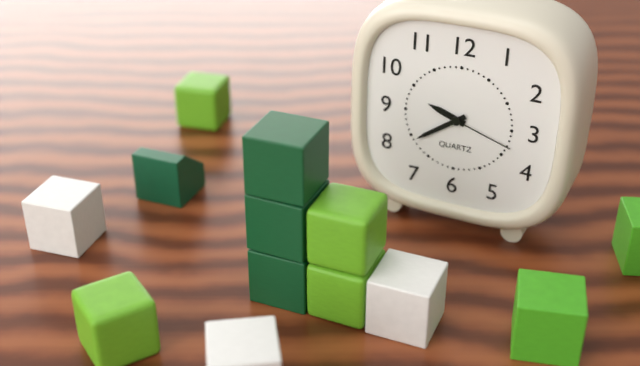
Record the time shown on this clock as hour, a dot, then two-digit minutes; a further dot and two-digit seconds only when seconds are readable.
9.39.18
